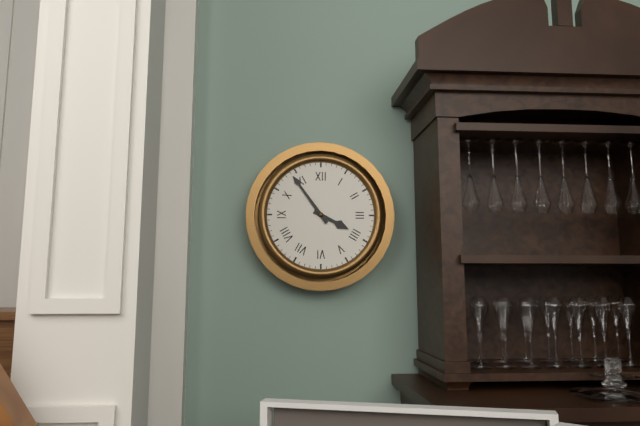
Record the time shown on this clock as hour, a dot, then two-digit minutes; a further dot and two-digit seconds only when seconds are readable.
3.54
